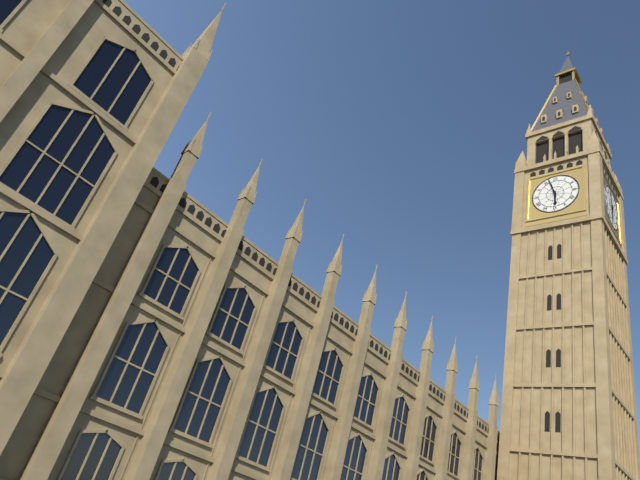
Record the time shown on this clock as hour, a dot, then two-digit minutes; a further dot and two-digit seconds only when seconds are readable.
5.57
